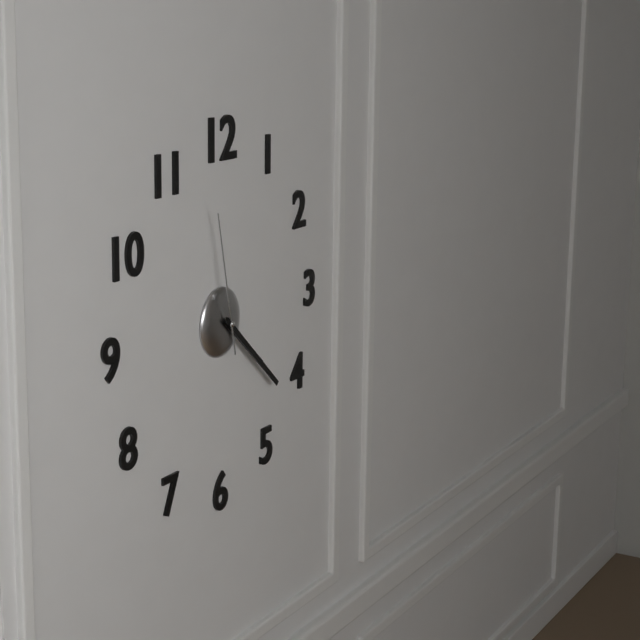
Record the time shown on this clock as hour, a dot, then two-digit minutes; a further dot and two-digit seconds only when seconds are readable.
4.22.58
